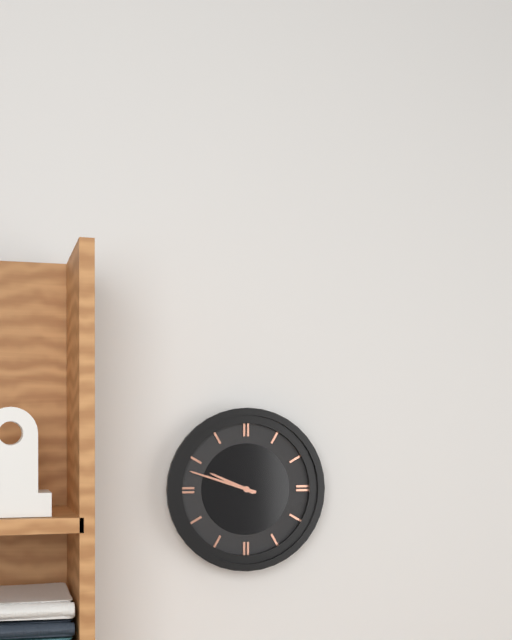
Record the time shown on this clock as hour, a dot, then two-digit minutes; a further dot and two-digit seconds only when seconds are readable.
9.48
